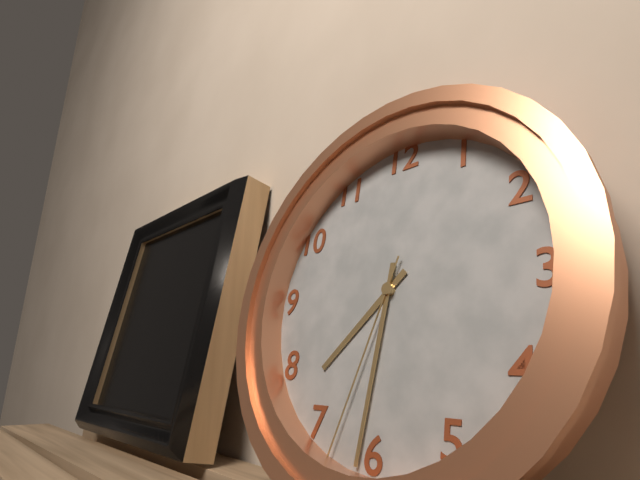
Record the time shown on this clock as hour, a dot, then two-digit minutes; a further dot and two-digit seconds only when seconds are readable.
7.31.33
